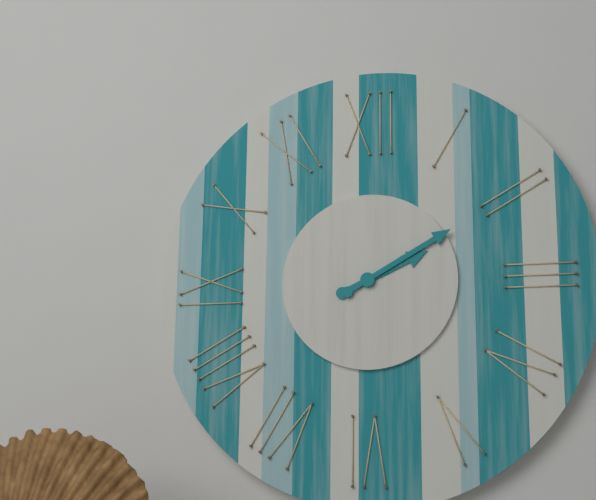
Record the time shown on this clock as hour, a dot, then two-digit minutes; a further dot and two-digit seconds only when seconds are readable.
2.10
